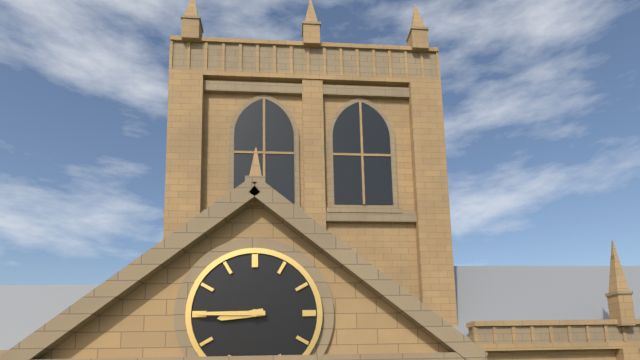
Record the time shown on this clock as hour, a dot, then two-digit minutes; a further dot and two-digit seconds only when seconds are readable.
8.45
